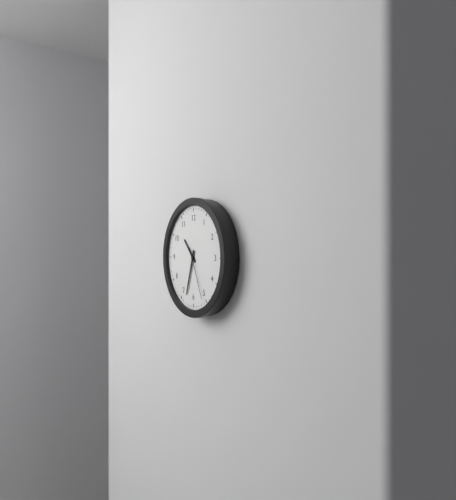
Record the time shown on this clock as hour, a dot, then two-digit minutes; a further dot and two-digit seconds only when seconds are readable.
10.33.26
